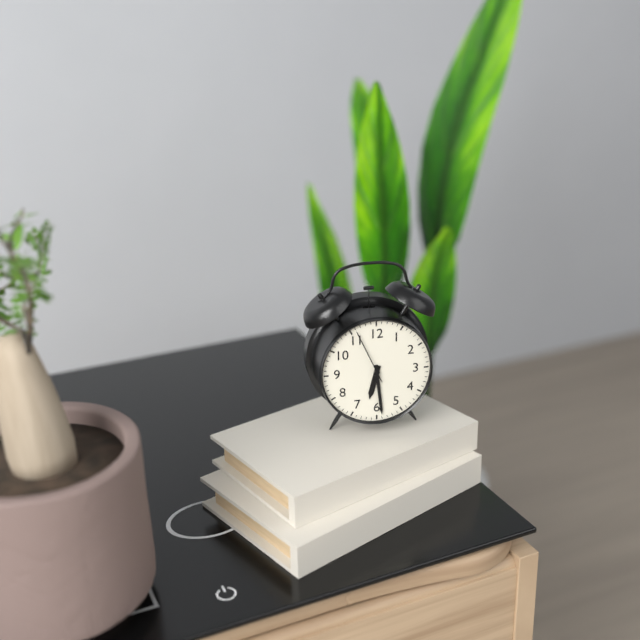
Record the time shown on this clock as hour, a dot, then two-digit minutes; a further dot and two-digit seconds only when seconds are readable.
6.29.56
